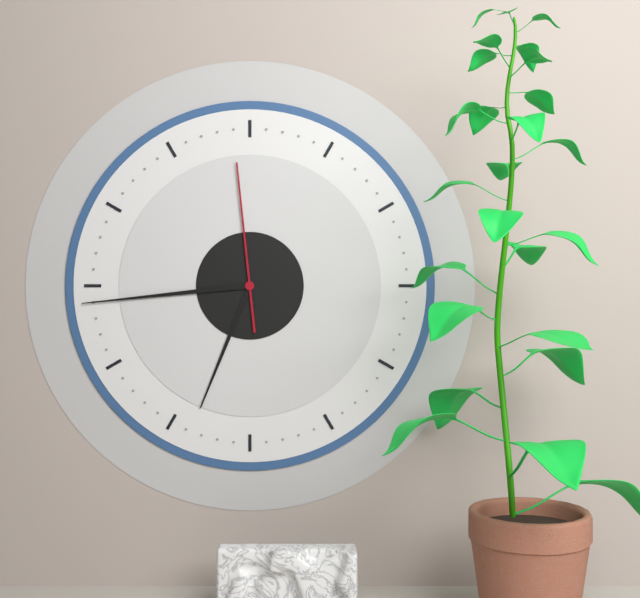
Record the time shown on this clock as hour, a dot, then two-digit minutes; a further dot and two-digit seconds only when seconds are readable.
6.44.59
